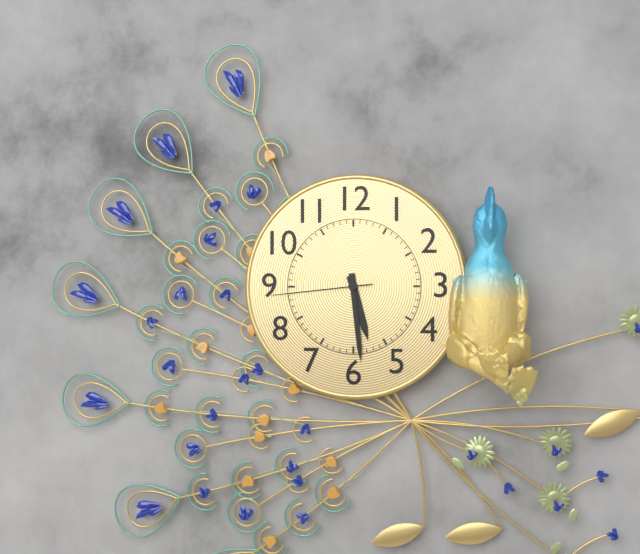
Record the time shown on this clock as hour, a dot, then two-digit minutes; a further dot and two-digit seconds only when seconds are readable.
5.29.44
